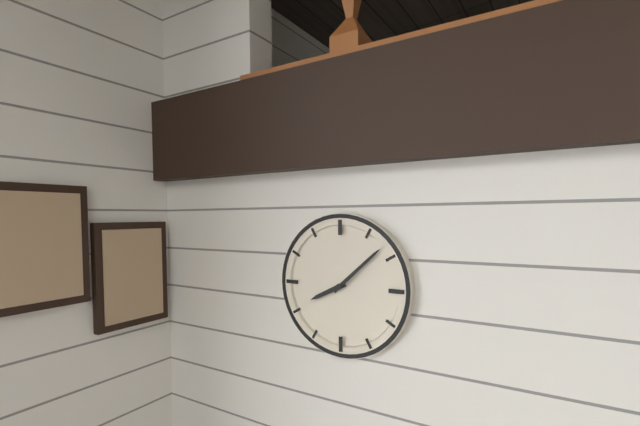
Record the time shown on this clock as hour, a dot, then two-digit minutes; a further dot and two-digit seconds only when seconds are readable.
8.08
